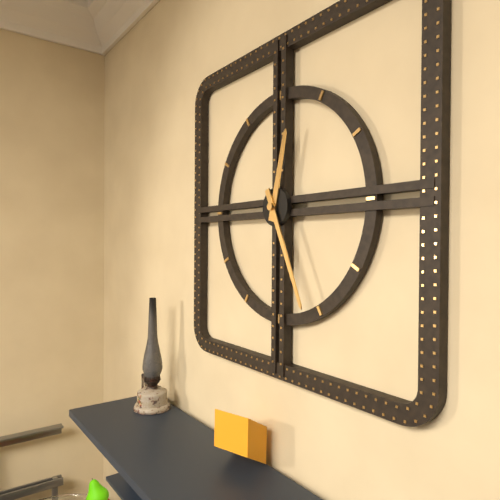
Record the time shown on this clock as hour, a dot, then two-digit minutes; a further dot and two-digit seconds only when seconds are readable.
12.26
